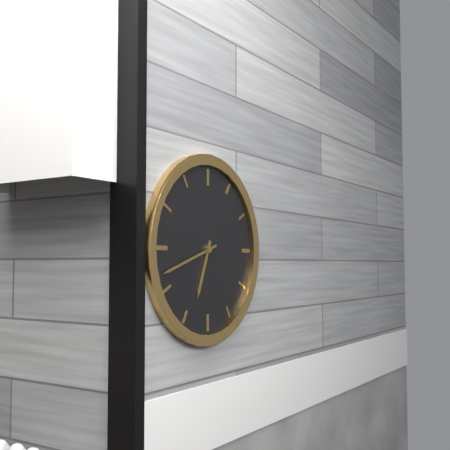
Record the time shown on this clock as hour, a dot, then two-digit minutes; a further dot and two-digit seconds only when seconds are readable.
6.42
